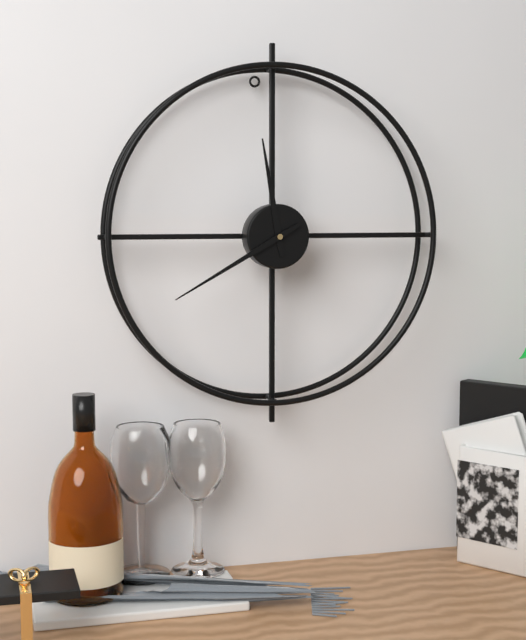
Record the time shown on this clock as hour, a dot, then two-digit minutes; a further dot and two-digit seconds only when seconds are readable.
11.40
